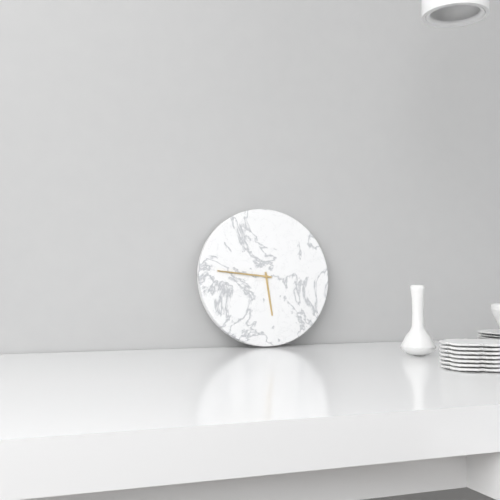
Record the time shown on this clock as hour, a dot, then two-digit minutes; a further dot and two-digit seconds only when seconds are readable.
5.46
